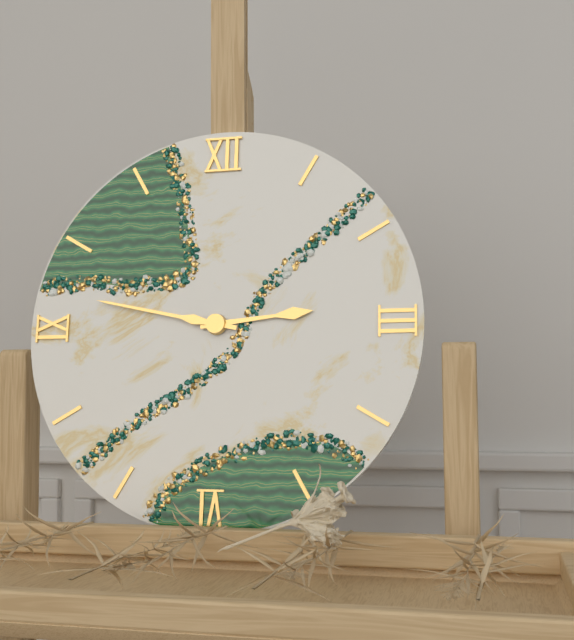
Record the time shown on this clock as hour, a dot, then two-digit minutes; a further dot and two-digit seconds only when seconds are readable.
2.47
